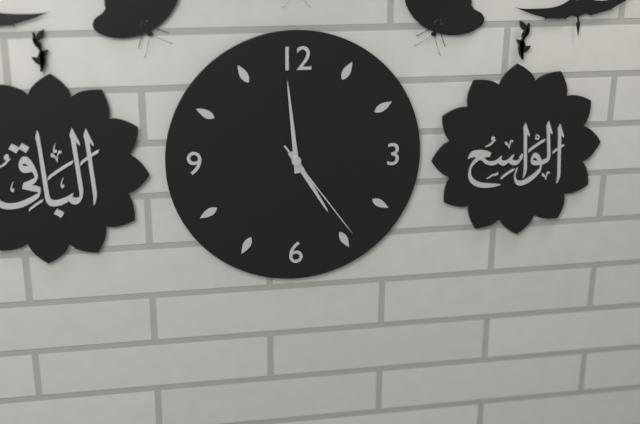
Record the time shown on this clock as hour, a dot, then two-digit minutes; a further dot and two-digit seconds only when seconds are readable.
4.59.24
